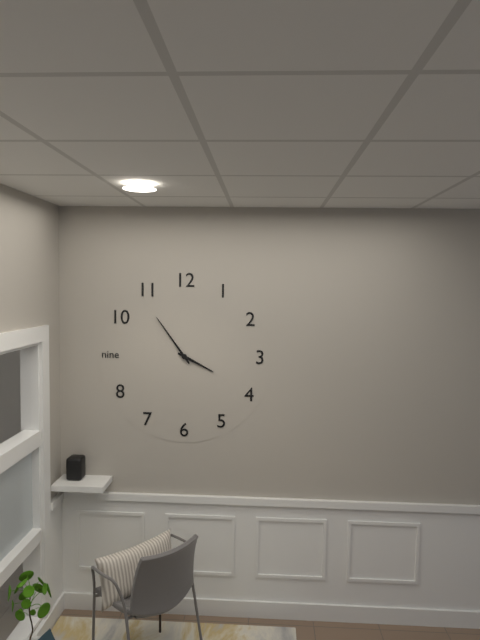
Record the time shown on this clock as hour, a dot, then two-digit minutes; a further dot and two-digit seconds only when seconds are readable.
3.54
